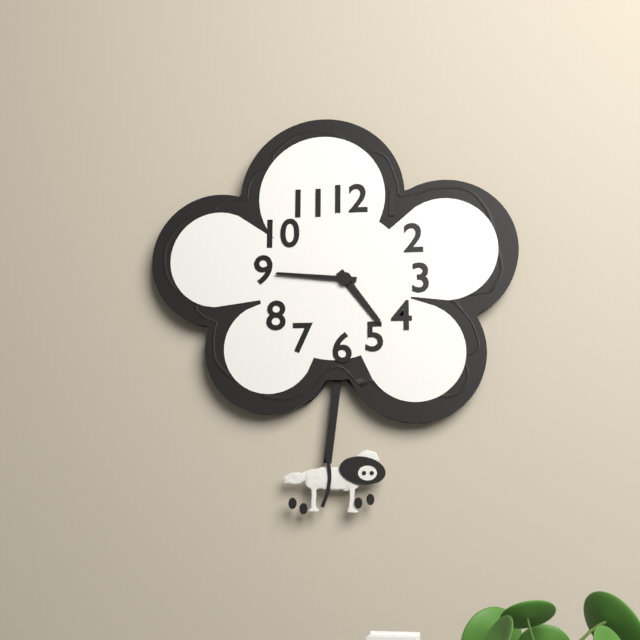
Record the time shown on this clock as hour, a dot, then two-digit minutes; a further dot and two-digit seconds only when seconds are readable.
4.46
